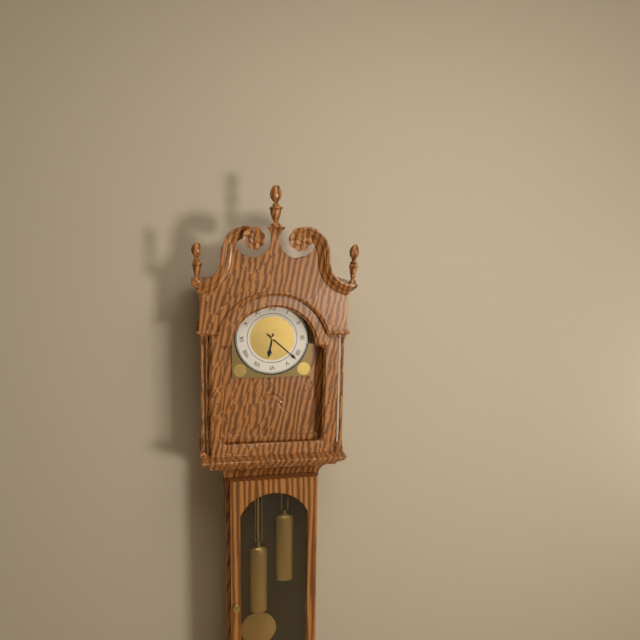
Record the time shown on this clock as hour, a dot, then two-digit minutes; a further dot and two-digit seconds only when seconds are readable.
6.22
